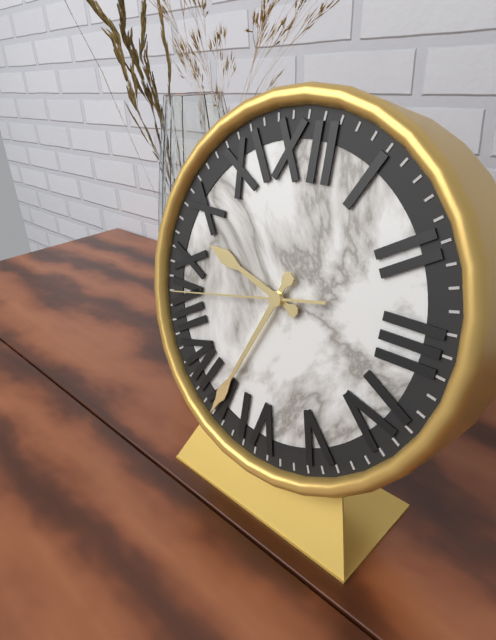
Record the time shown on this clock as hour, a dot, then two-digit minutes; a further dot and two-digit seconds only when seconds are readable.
9.34.43
